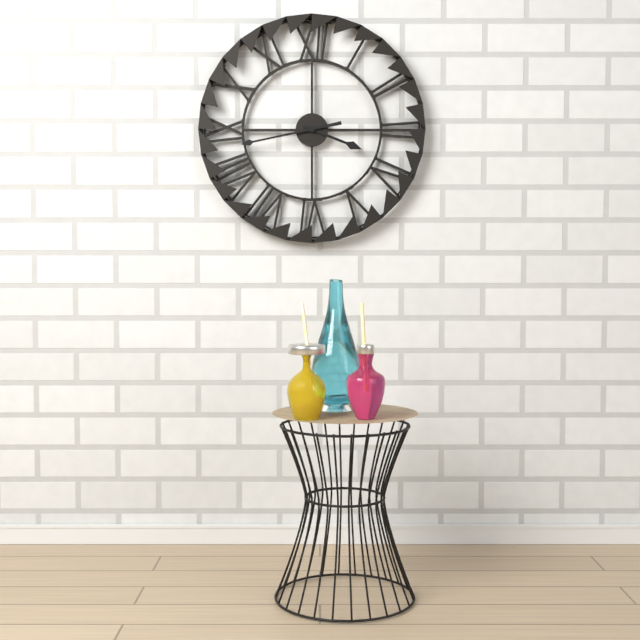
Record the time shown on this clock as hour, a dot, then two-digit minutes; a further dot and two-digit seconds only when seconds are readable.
3.43
